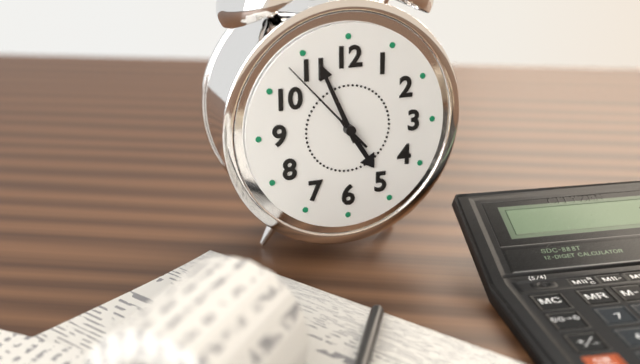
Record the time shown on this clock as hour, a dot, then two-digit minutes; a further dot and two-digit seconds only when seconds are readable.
4.56.53
